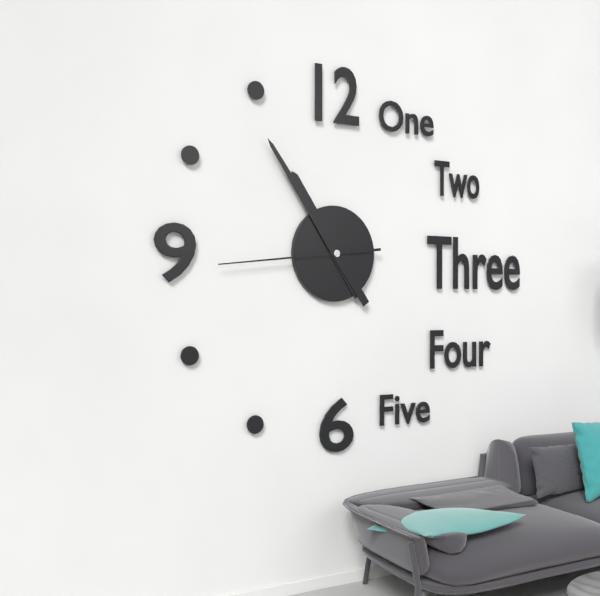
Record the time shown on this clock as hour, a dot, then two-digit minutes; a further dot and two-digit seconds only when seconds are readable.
10.54.44
